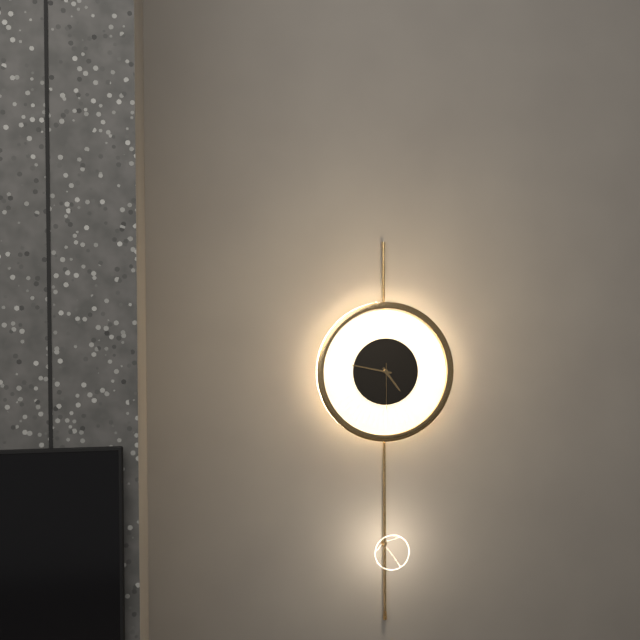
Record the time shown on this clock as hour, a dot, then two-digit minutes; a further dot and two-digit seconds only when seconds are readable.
4.47
